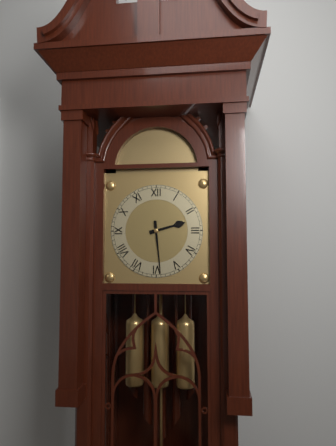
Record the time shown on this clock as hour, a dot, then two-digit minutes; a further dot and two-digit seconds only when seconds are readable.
2.29
